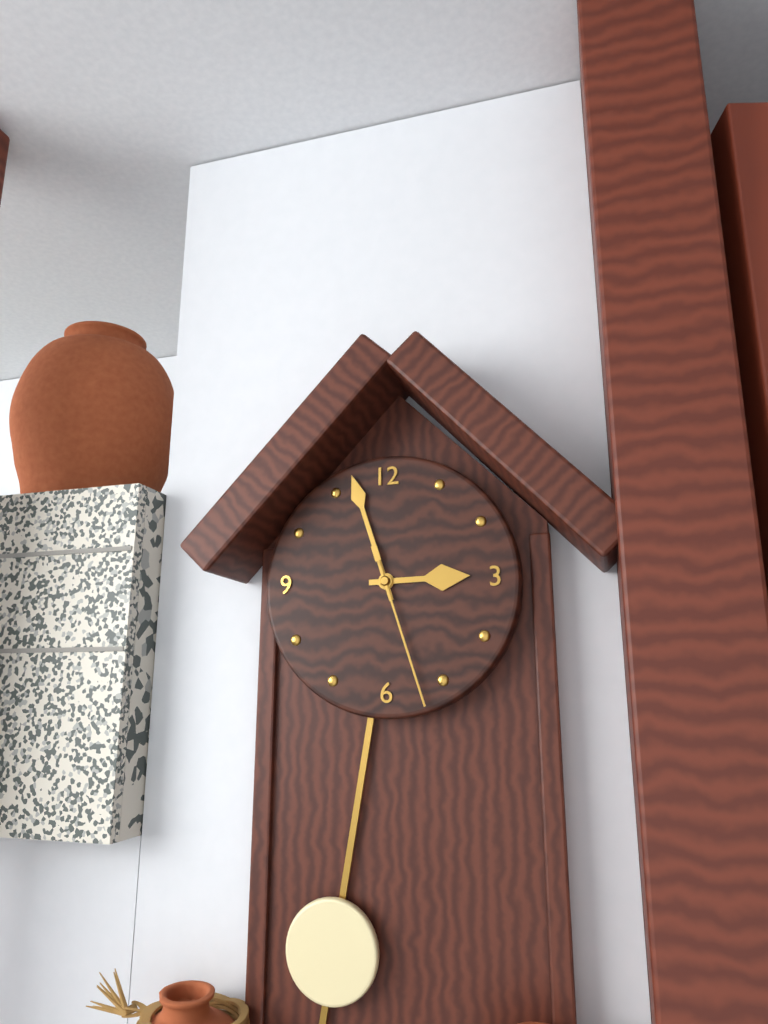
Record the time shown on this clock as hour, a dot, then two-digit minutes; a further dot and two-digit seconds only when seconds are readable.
2.57.27
